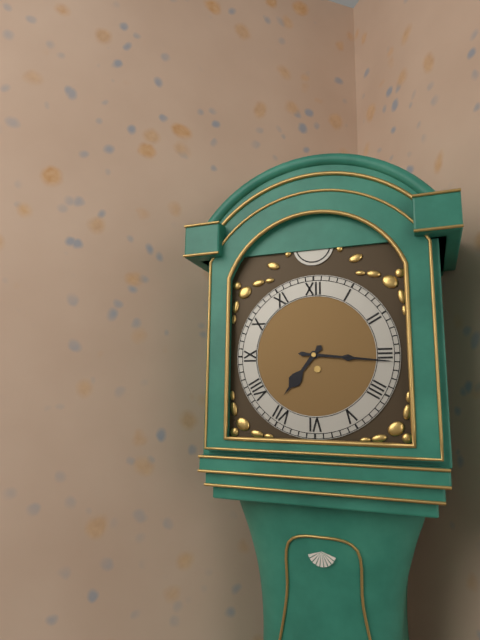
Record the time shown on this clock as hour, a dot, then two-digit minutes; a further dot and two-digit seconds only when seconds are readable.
7.16
